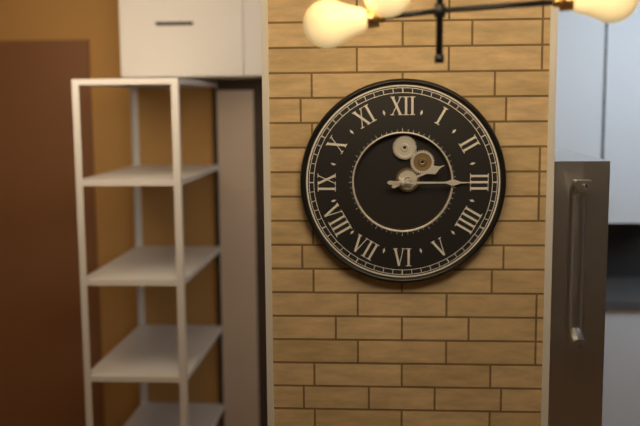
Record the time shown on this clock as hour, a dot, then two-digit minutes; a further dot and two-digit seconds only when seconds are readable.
2.15
